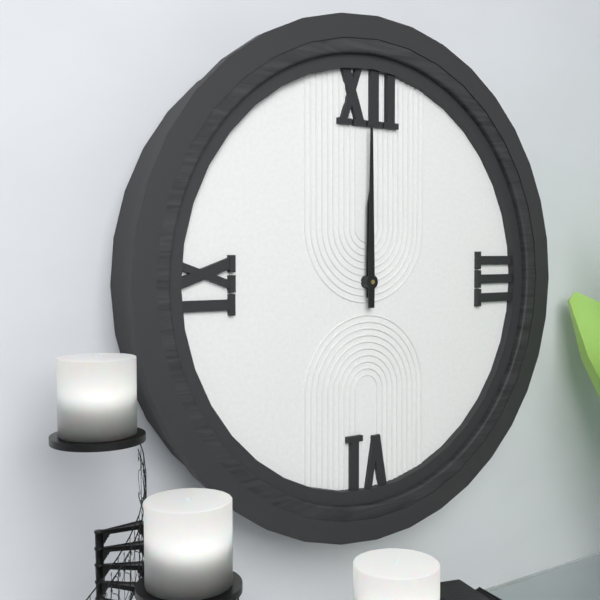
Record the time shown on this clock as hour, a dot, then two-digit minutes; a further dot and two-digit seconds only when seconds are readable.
12.00
